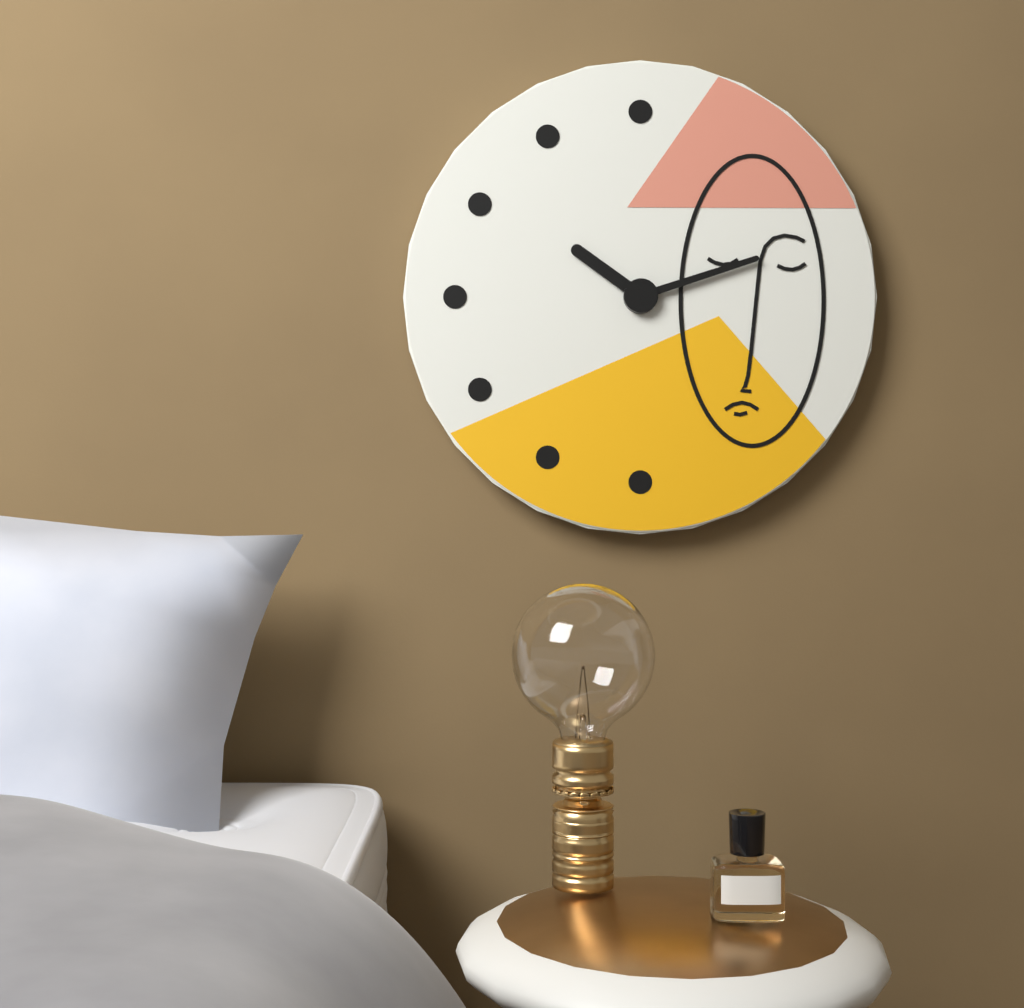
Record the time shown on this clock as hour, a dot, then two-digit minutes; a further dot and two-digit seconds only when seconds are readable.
10.12
